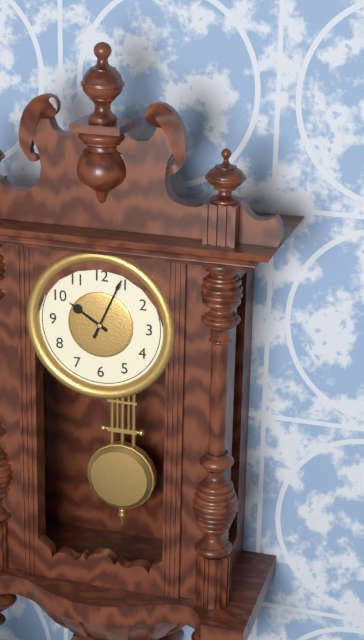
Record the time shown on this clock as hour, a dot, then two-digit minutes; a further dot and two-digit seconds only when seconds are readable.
10.04
